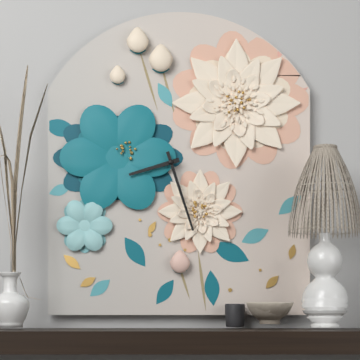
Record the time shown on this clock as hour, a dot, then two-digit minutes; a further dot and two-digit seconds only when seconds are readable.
8.27
